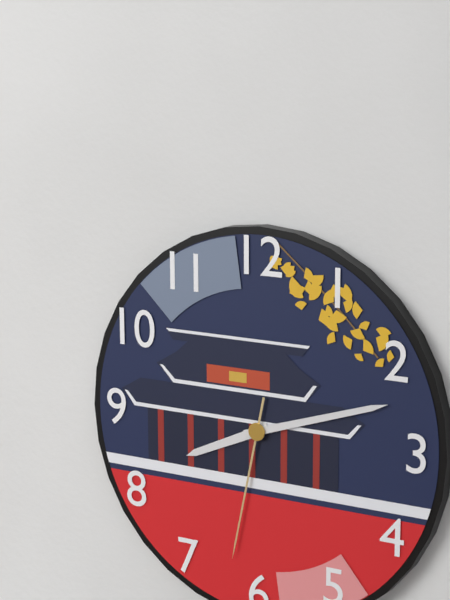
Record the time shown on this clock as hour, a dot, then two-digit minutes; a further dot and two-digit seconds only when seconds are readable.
8.12.32
